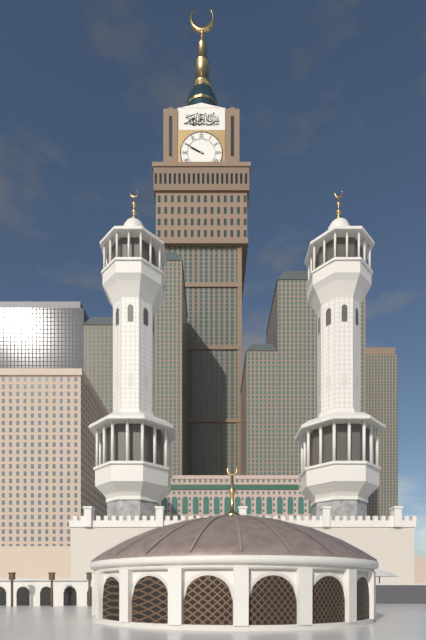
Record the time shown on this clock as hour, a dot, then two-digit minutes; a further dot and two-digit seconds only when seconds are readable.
9.50
